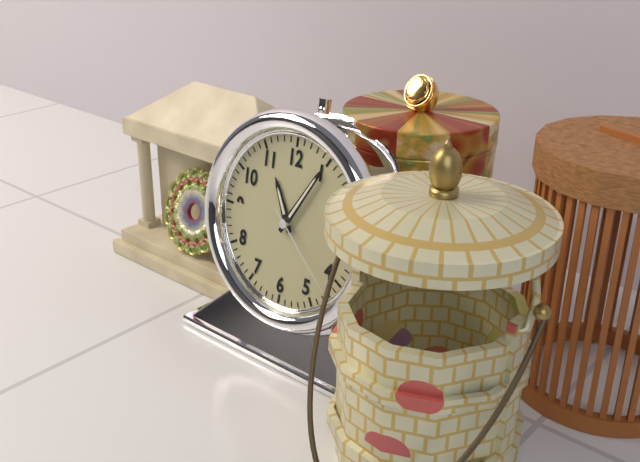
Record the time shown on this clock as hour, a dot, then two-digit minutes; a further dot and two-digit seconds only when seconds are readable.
11.05.22
